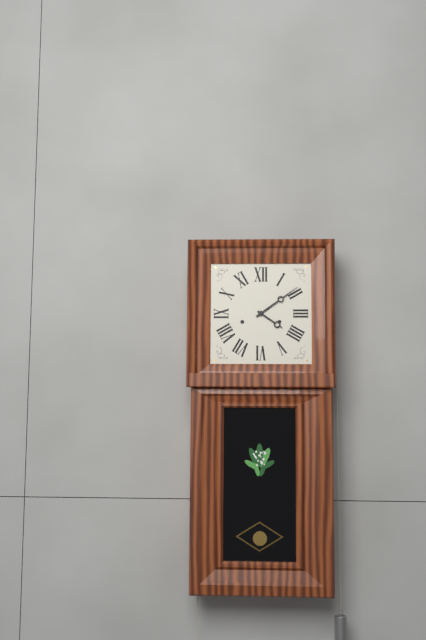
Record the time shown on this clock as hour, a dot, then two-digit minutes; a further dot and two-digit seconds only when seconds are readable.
4.09
